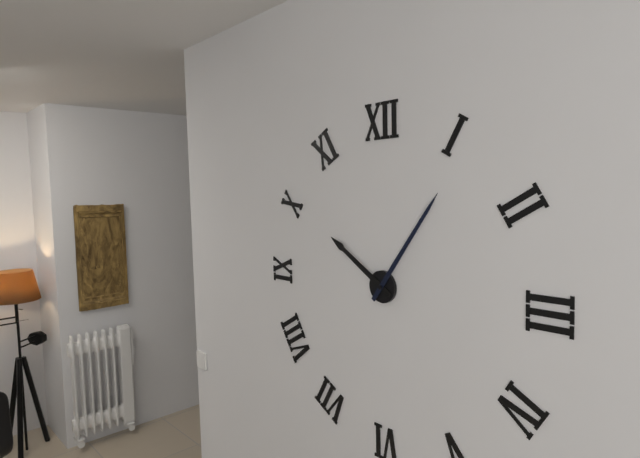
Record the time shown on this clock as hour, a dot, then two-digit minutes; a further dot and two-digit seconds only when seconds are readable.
10.06
